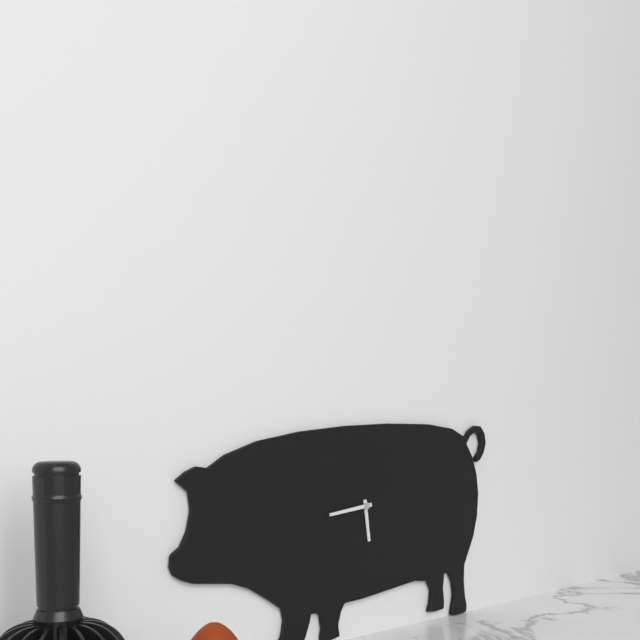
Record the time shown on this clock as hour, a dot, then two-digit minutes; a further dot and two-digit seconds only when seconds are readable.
5.44
